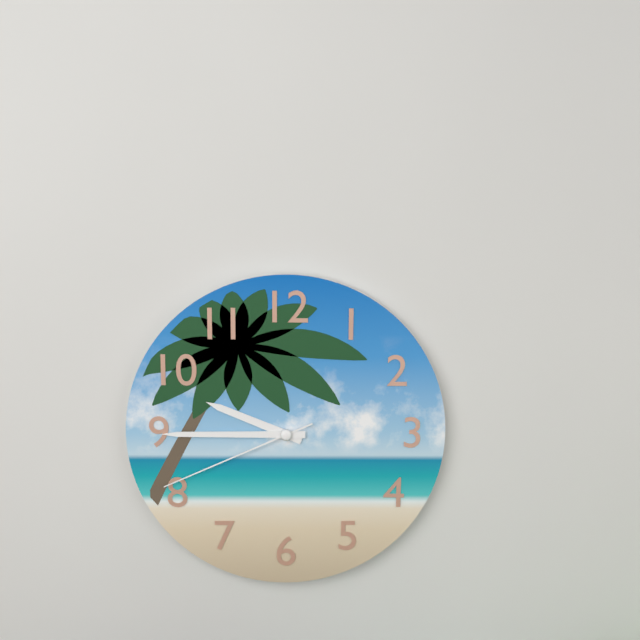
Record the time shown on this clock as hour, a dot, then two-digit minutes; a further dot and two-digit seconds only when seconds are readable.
9.45.41
